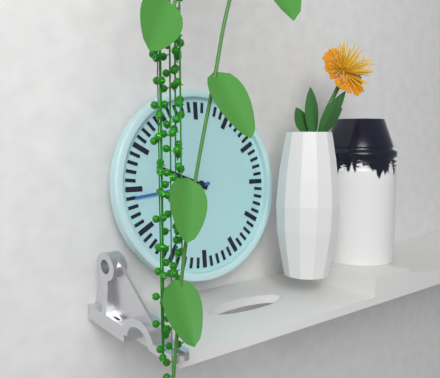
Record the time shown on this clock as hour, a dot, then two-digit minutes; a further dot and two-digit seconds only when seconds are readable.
9.44
